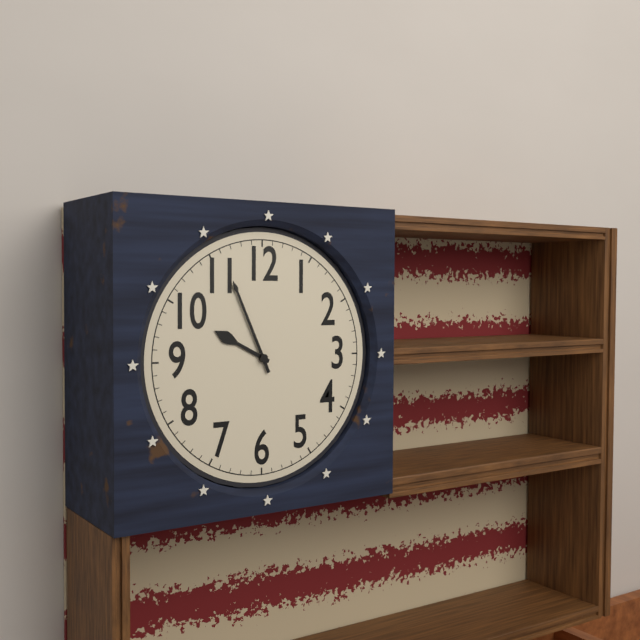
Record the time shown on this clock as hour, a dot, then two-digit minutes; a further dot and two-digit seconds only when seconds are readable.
9.56
